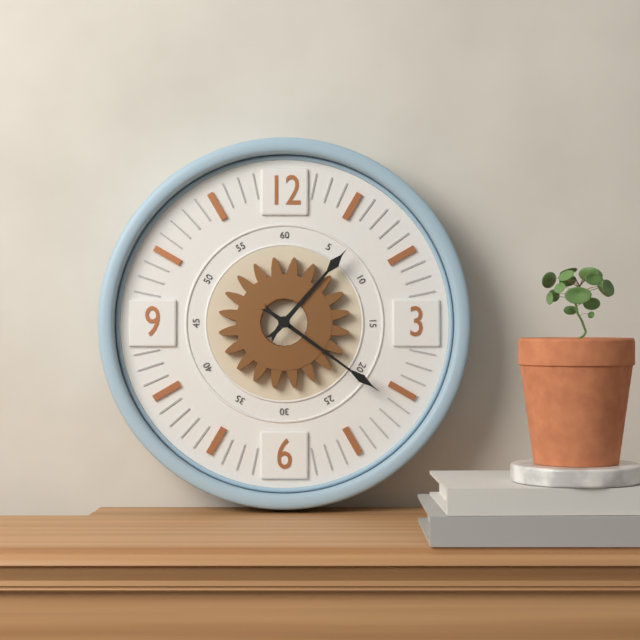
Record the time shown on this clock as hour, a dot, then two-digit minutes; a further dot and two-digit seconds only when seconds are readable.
1.21
